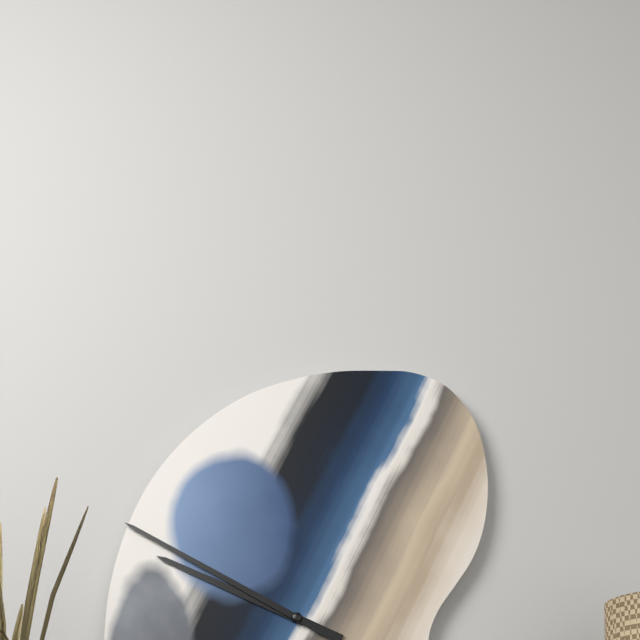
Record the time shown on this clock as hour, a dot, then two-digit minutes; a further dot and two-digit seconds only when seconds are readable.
9.50
